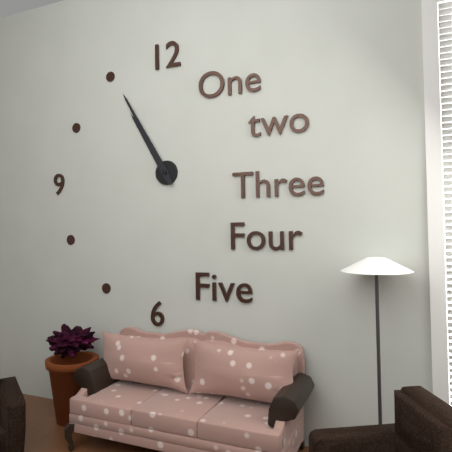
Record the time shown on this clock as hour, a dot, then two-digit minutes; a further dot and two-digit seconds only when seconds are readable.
10.55
